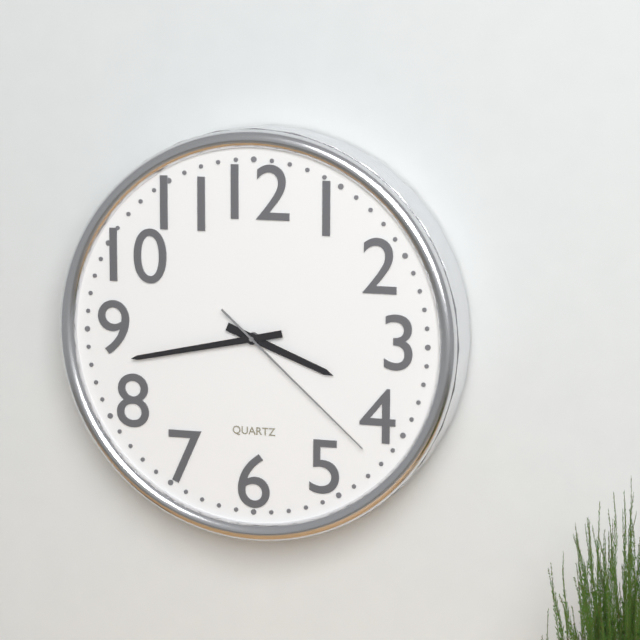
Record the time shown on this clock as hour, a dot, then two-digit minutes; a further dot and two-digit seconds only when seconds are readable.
3.43.22
